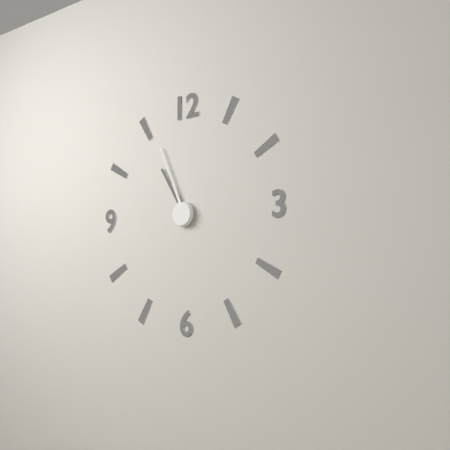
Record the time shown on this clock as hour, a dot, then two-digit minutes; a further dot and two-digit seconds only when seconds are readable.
10.56
